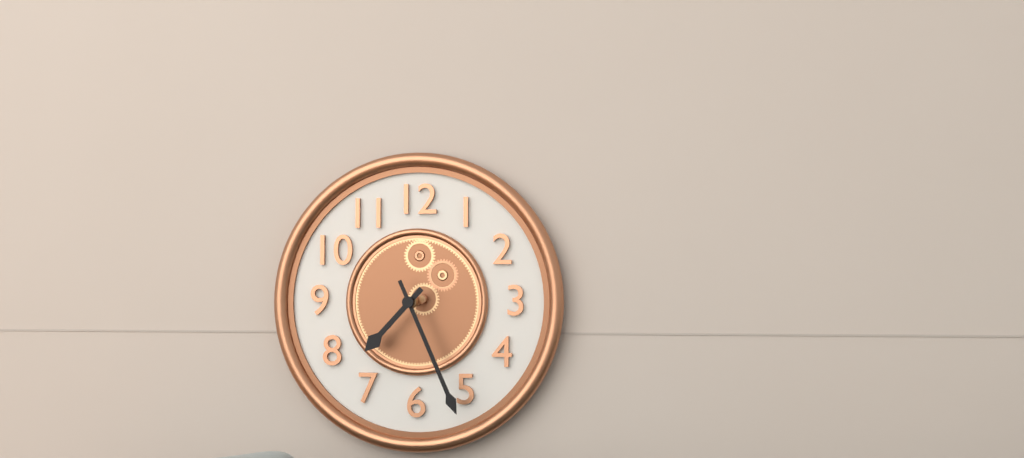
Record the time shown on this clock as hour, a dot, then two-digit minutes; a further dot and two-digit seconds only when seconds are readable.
7.26
